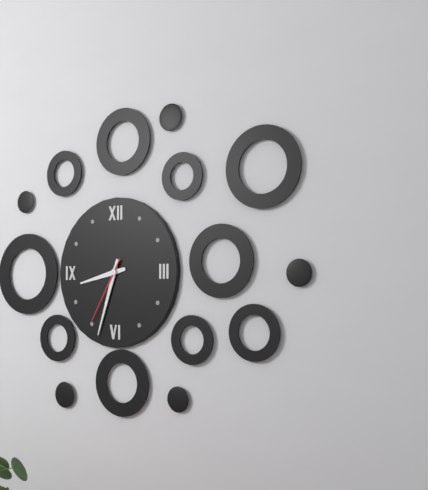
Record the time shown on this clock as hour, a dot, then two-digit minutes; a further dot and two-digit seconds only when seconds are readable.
8.33.35
